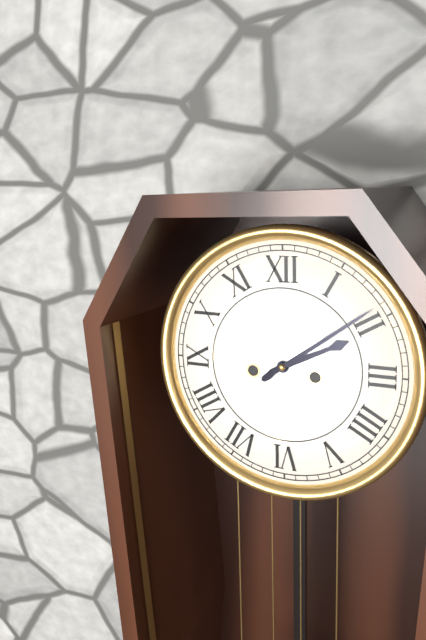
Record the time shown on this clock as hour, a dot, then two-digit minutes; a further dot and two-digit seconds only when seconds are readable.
2.09
